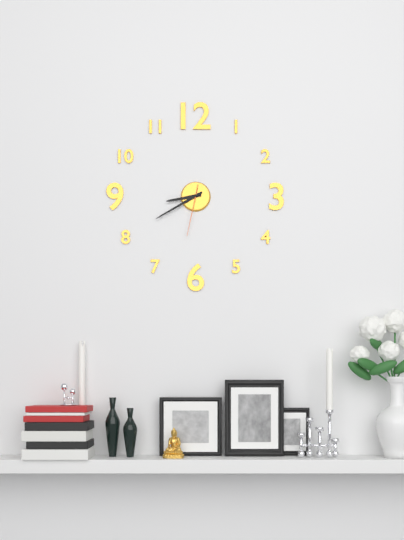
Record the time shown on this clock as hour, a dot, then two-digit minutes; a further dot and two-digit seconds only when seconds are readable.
8.40.32
